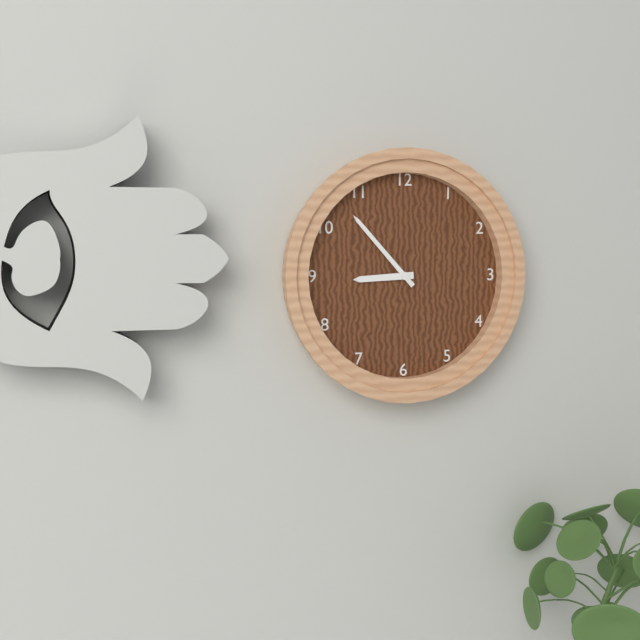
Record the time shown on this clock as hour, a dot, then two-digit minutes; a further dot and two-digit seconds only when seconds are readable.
8.53
